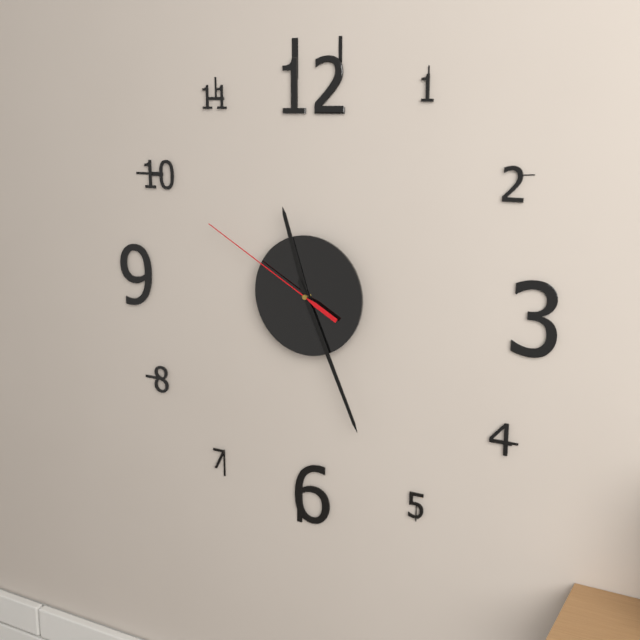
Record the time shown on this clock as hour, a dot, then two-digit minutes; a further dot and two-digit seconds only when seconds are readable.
11.26.50
